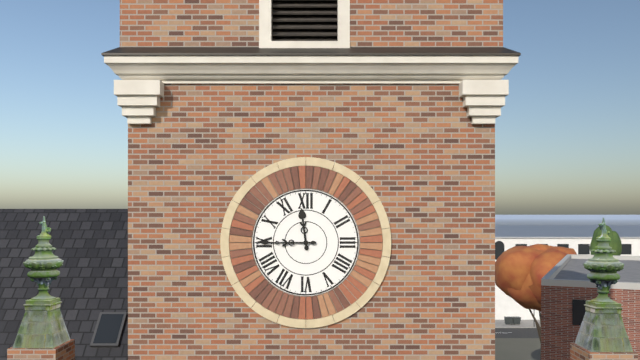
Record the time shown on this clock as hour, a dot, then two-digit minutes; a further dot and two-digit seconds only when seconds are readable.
11.45
